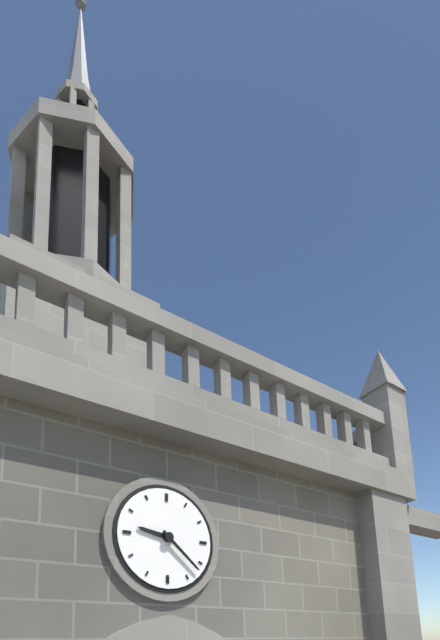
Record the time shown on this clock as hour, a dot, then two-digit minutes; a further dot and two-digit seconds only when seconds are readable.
9.22
